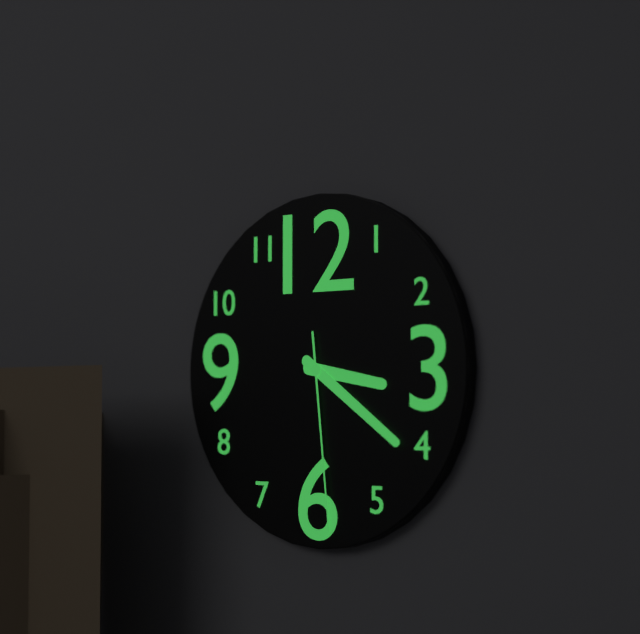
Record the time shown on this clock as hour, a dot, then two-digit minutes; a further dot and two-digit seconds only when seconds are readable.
3.21.29
